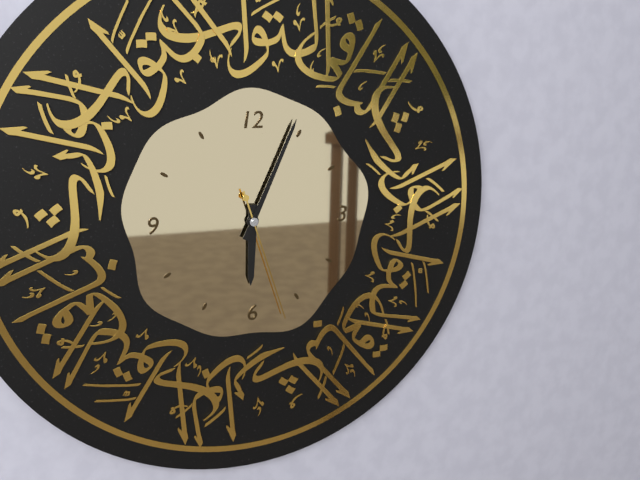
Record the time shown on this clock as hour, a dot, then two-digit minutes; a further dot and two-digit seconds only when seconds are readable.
6.04.27
